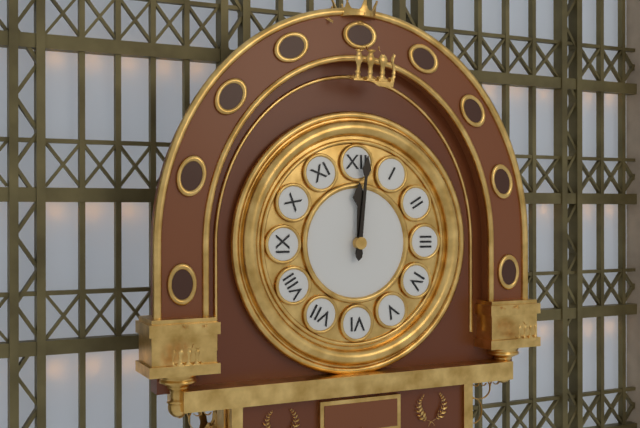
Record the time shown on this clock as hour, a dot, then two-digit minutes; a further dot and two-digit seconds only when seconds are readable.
12.01
